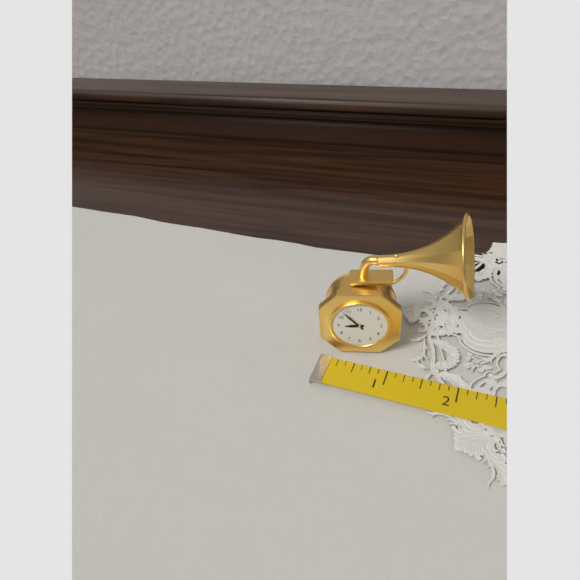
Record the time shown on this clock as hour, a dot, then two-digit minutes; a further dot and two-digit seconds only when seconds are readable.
8.53
